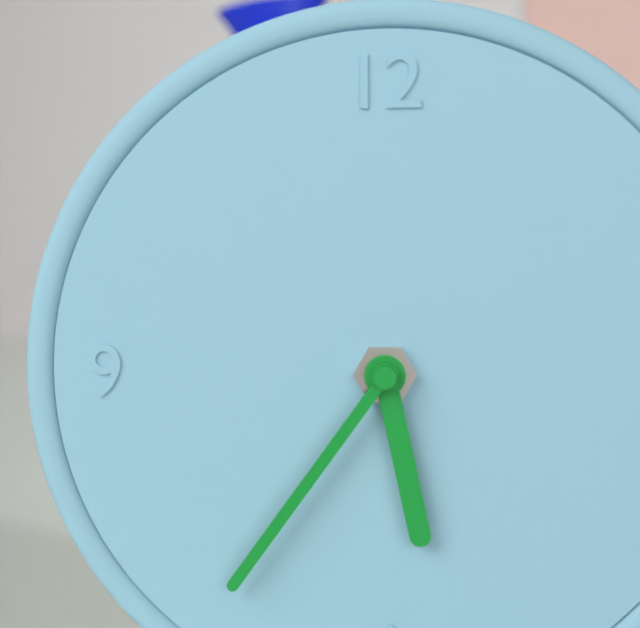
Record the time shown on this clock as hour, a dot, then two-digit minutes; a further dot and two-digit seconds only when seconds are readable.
5.36
